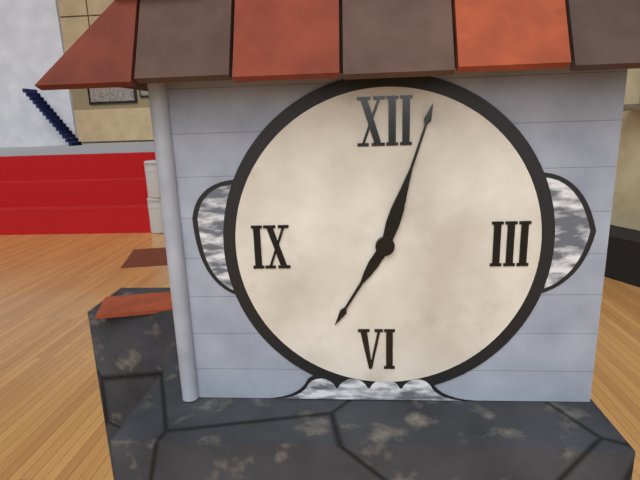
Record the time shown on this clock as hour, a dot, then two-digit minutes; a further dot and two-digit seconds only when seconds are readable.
7.03
